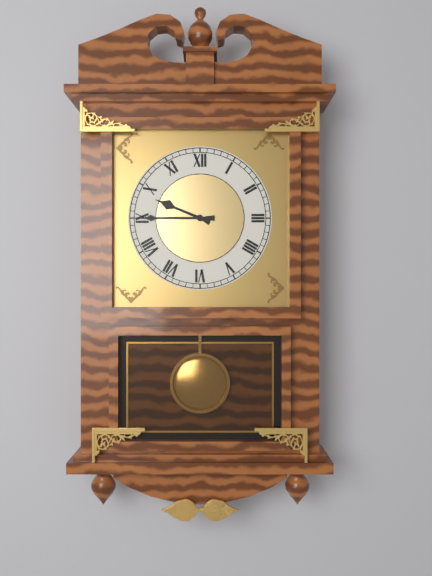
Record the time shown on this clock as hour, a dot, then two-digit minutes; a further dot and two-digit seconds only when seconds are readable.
9.45
